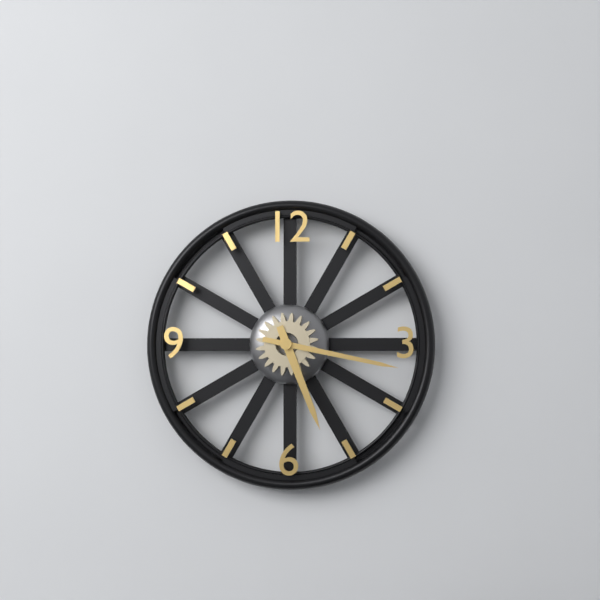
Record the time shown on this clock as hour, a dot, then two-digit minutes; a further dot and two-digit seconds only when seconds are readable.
5.17
